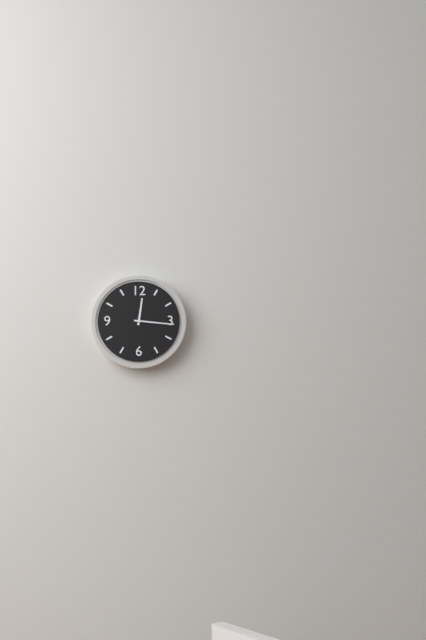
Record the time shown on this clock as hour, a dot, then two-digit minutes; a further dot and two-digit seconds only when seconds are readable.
12.16
